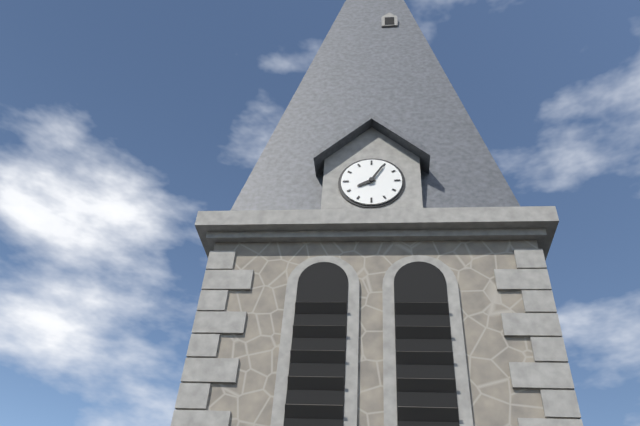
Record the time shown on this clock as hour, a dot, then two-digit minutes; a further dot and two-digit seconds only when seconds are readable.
8.05
